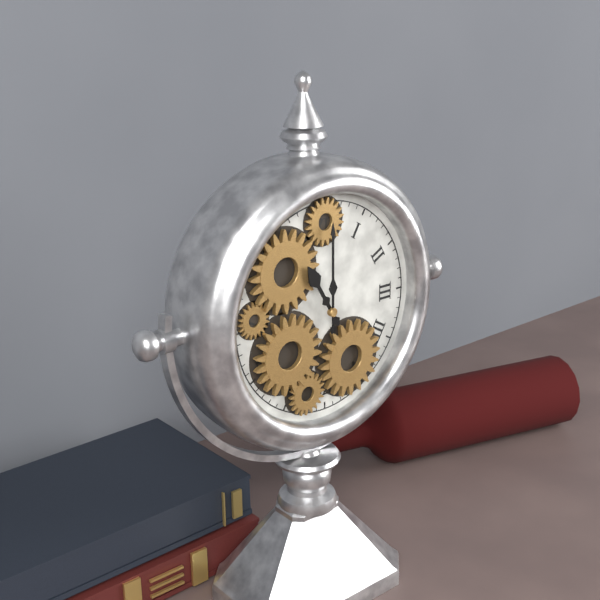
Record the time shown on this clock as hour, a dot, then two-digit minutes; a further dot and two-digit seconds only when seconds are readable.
11.00
